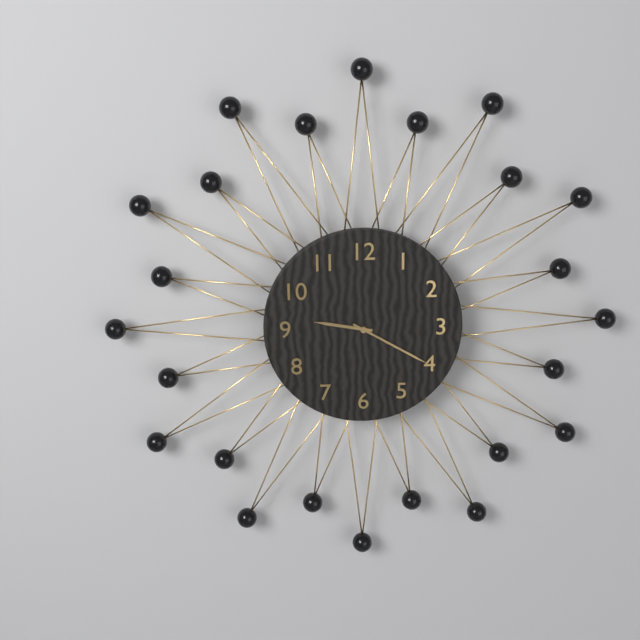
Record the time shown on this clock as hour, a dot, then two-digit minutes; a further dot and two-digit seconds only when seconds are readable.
9.20
